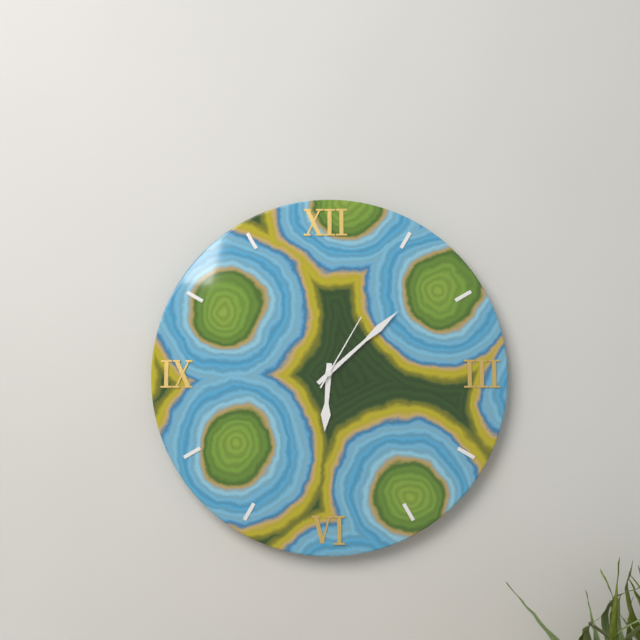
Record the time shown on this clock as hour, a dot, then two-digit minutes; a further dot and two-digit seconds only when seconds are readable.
6.08.05
